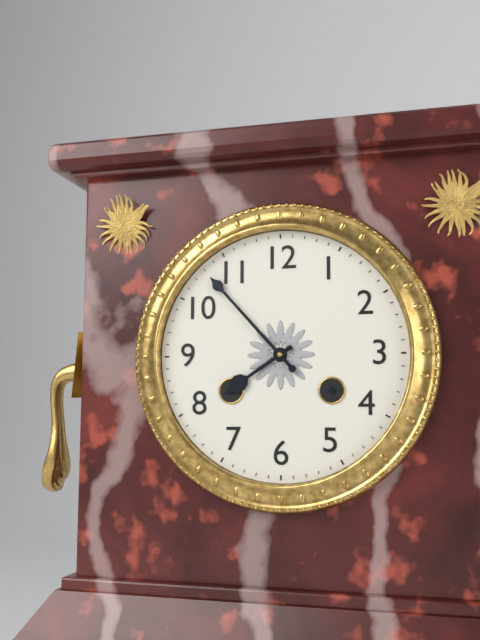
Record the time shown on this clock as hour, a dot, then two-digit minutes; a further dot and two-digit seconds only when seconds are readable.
7.53
